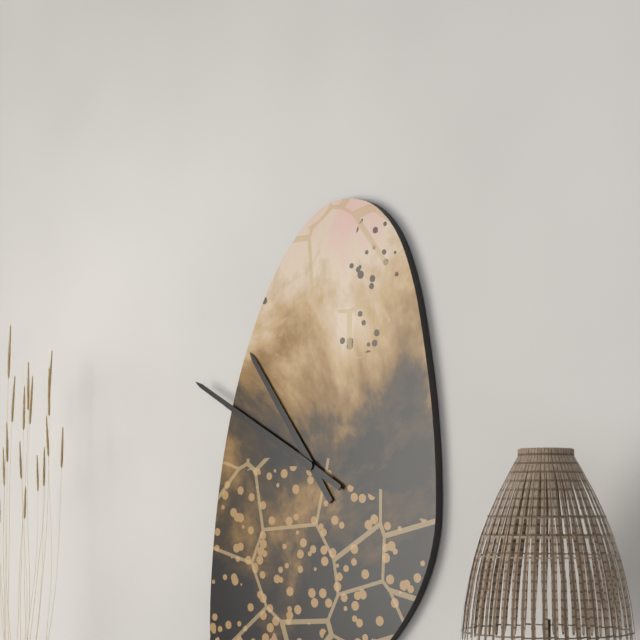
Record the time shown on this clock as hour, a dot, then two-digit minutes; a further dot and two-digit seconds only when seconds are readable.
10.50
